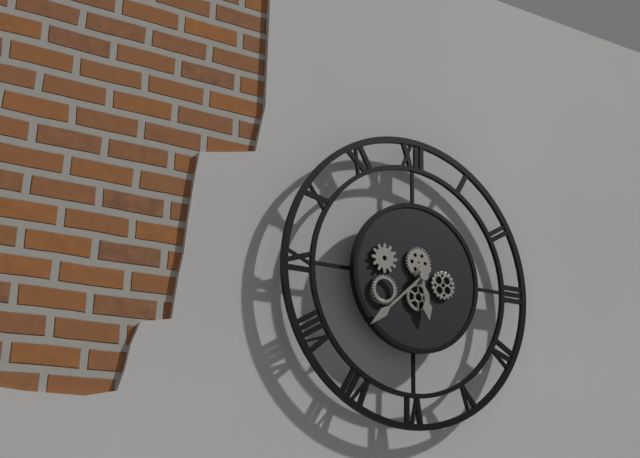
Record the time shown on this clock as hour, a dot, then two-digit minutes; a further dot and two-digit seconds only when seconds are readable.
5.38
